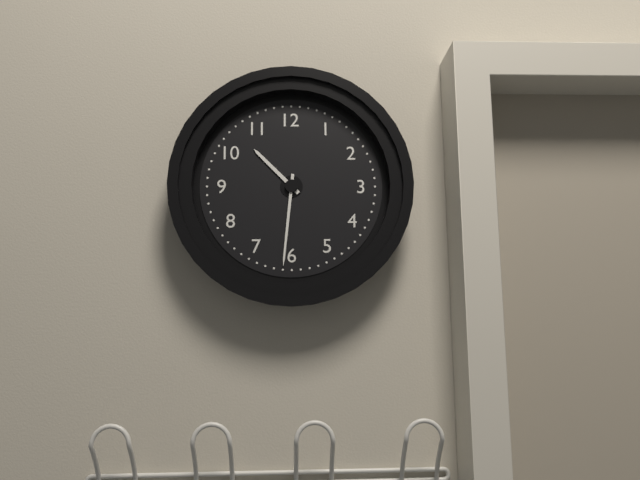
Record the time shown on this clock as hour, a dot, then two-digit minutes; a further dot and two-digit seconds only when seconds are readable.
10.31
